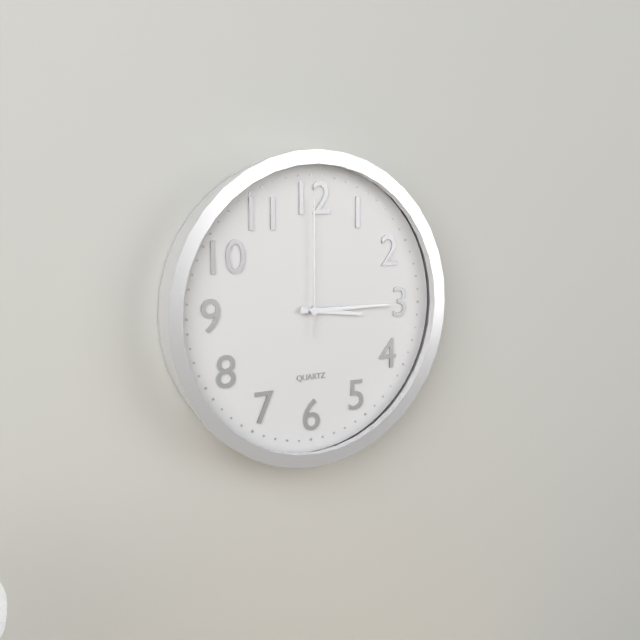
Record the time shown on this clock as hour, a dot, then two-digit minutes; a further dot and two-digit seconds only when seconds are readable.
3.15.00
